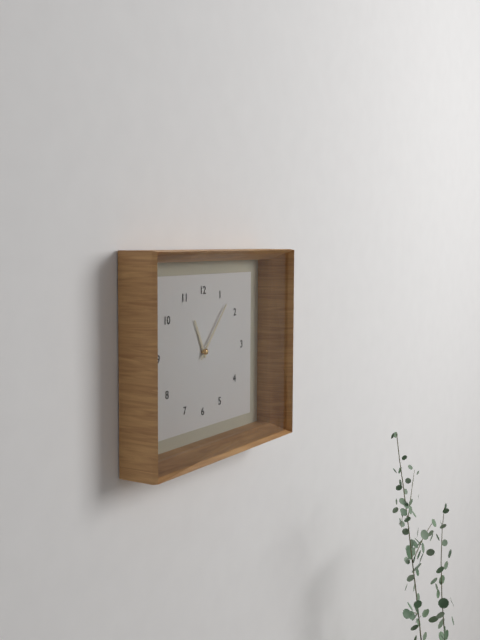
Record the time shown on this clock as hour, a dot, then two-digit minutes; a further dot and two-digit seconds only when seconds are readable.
11.07
